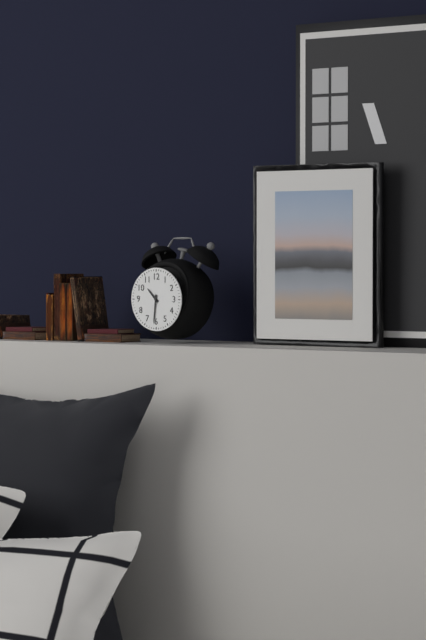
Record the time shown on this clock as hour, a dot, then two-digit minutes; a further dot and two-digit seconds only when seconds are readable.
10.31
